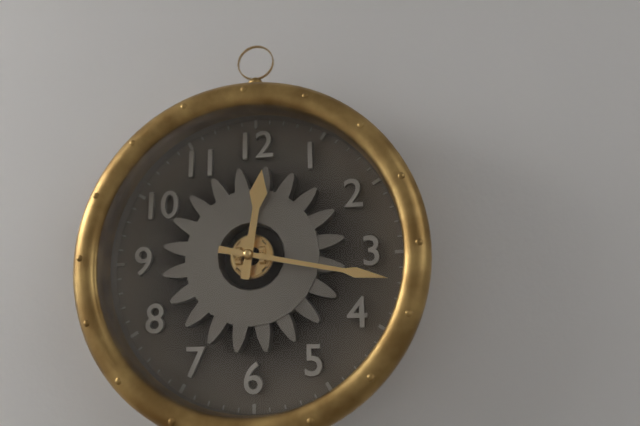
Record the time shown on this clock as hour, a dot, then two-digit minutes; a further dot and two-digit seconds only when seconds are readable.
12.17
